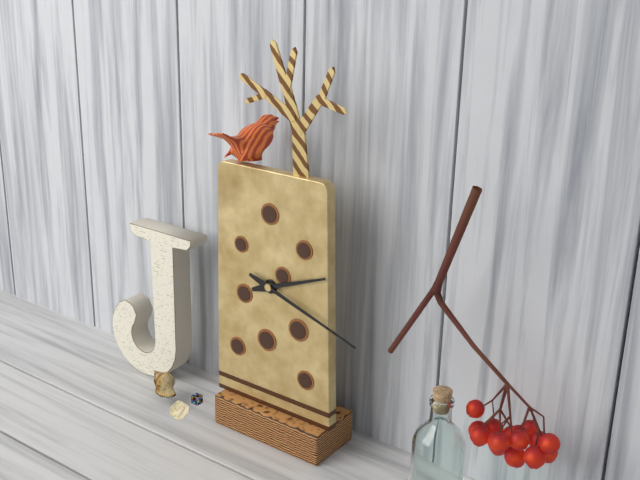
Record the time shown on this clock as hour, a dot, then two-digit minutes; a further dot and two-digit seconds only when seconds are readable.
2.18
